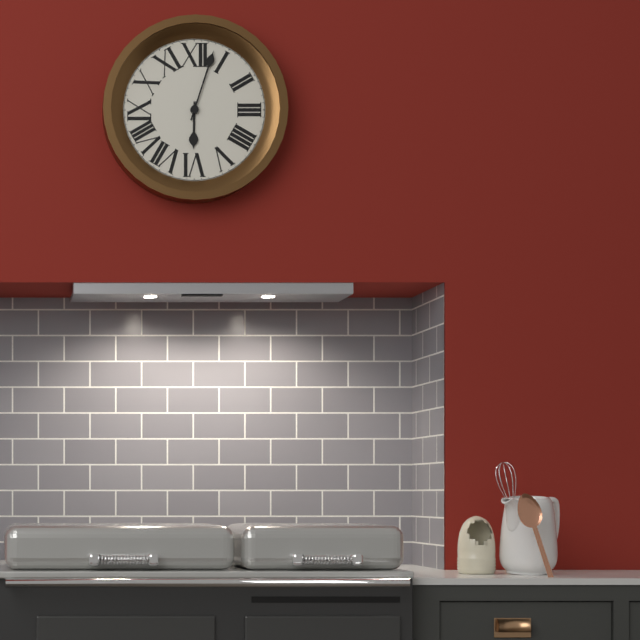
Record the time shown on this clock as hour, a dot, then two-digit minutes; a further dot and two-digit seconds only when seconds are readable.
6.03
